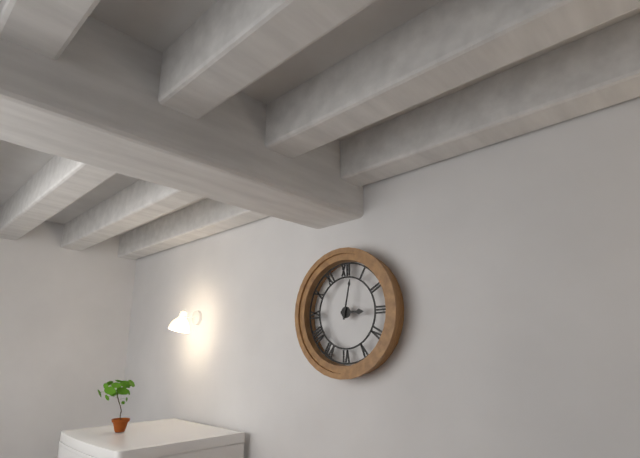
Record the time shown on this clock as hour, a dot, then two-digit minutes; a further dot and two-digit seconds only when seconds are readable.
3.02
